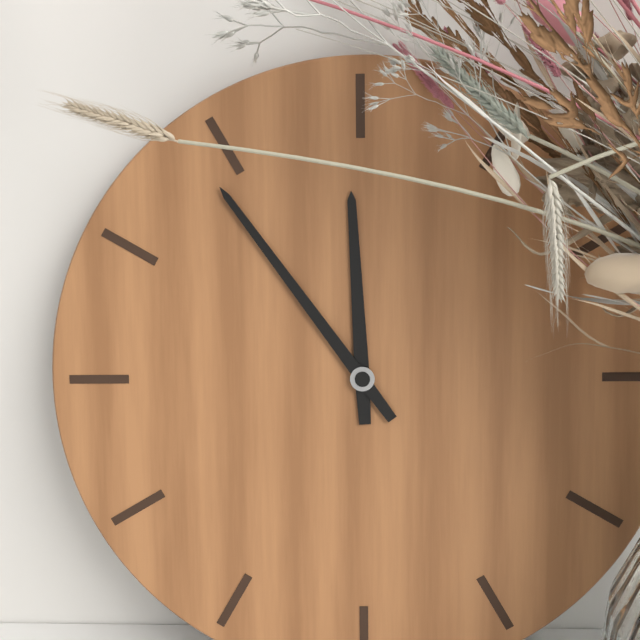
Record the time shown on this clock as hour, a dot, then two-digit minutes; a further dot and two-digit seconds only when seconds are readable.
11.54
